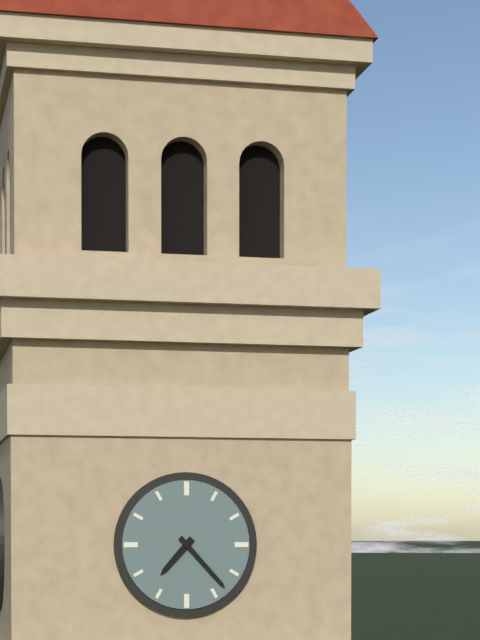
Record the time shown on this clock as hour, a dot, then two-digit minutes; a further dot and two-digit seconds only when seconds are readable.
7.23
